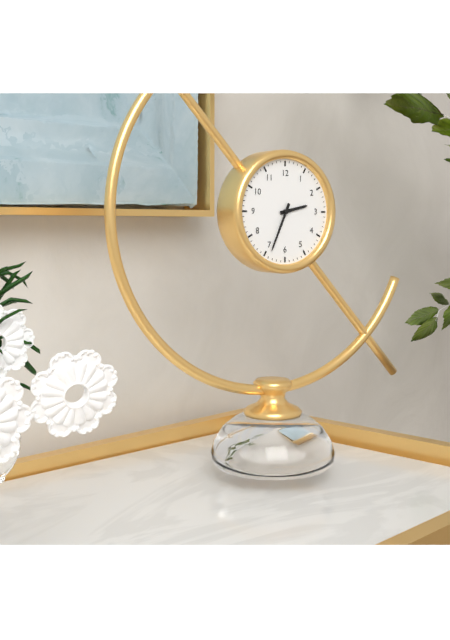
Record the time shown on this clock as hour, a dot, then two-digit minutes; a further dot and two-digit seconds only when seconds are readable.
2.34
